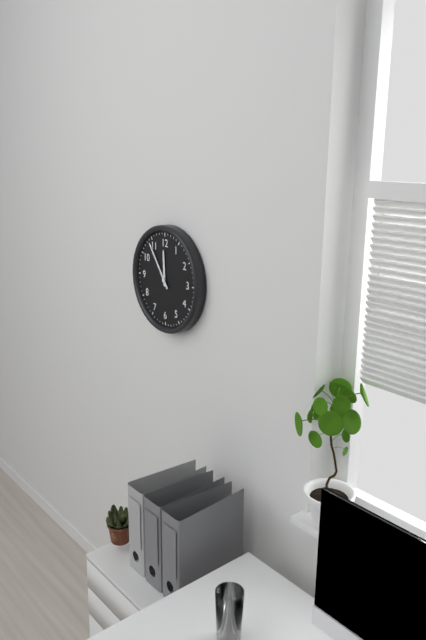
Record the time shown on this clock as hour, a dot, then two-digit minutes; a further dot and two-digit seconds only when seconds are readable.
11.54
